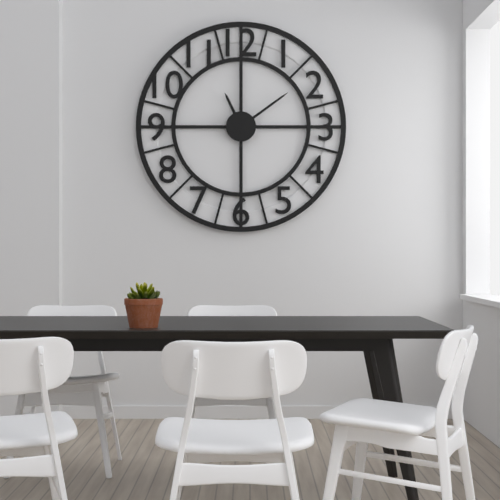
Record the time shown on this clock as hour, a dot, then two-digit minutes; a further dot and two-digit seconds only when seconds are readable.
11.09
